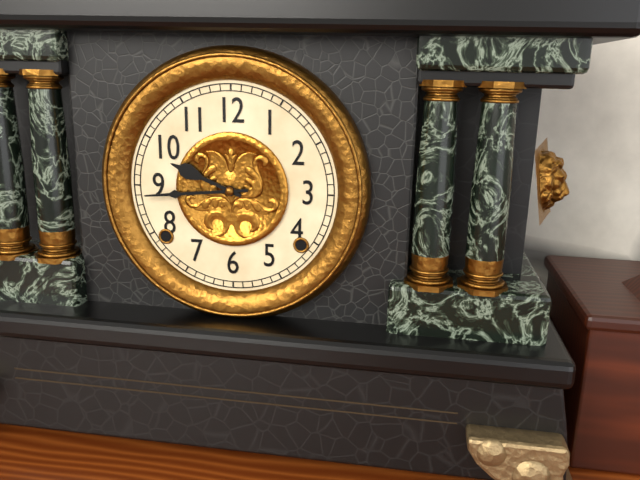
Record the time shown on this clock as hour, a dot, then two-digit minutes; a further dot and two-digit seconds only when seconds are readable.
9.44
